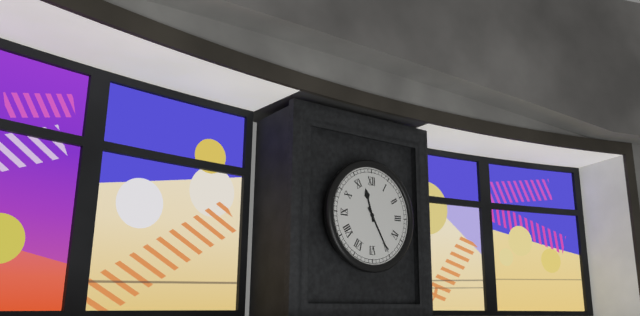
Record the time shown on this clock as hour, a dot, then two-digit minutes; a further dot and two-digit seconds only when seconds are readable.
11.25
